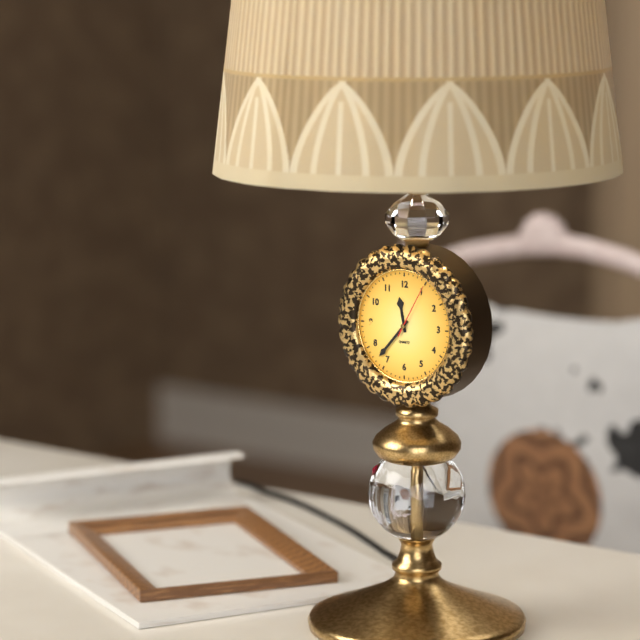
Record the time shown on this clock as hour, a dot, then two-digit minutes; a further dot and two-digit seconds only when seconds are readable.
11.37.05
